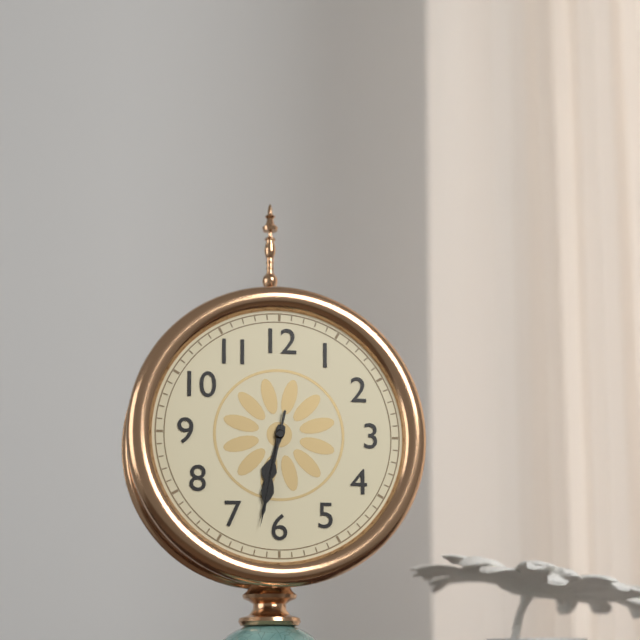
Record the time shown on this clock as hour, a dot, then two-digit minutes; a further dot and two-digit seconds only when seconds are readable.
6.32.32
